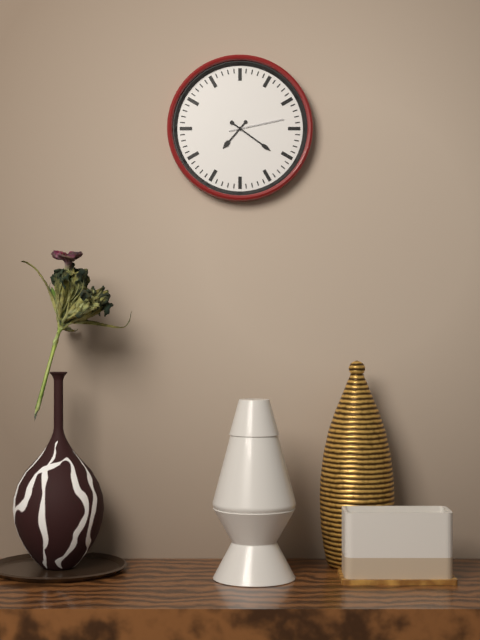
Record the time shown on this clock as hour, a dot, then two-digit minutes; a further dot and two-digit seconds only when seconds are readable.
7.21.13
